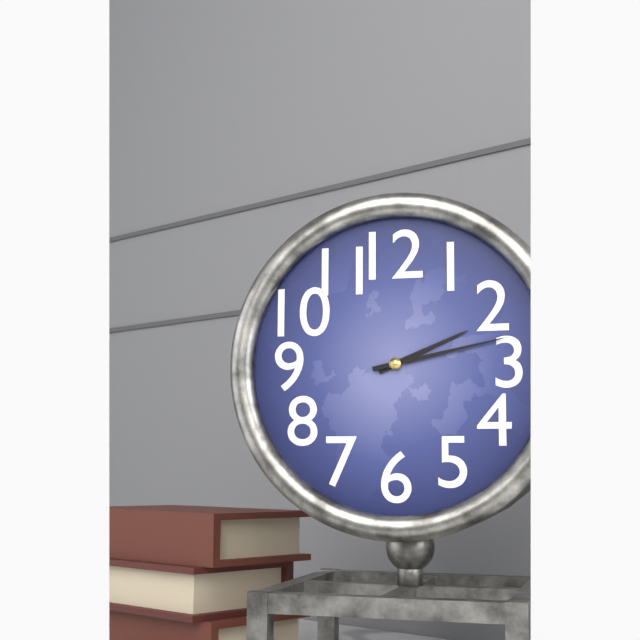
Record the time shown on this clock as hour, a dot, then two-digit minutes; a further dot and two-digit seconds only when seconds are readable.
2.13
